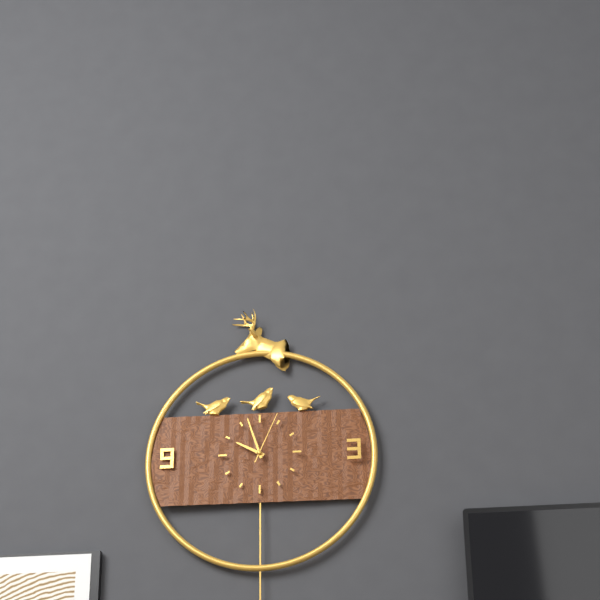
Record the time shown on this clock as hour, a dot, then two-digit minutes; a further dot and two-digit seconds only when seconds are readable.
9.57.04
